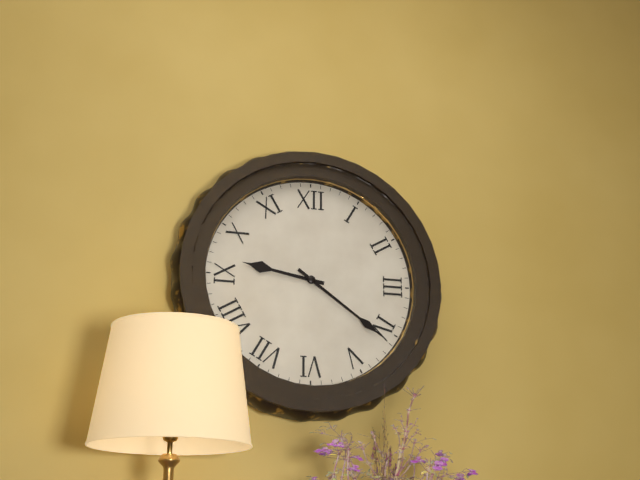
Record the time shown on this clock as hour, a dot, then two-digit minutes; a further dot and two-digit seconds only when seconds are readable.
9.21
